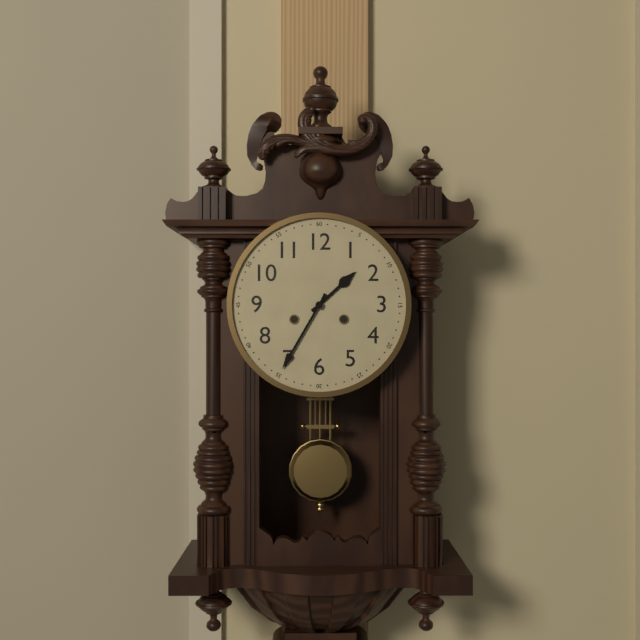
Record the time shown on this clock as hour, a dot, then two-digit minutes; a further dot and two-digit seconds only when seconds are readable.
1.35
